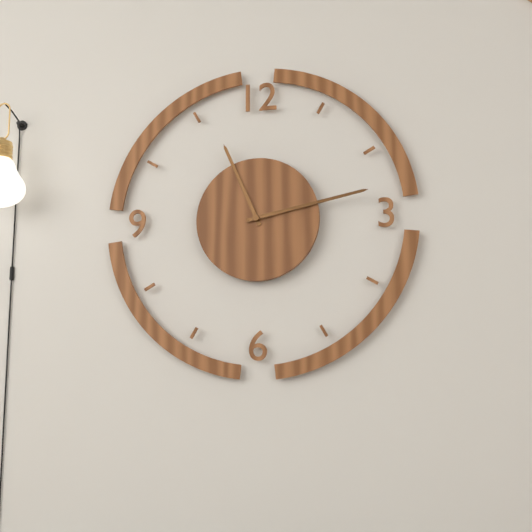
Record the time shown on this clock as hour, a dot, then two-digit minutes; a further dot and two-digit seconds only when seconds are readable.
11.13
